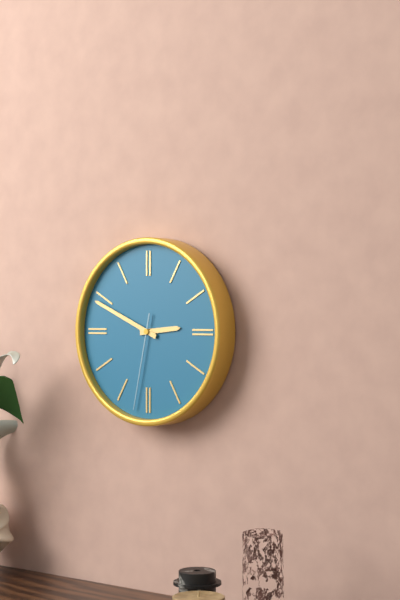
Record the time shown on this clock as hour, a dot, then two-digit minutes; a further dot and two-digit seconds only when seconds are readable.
2.49.32
